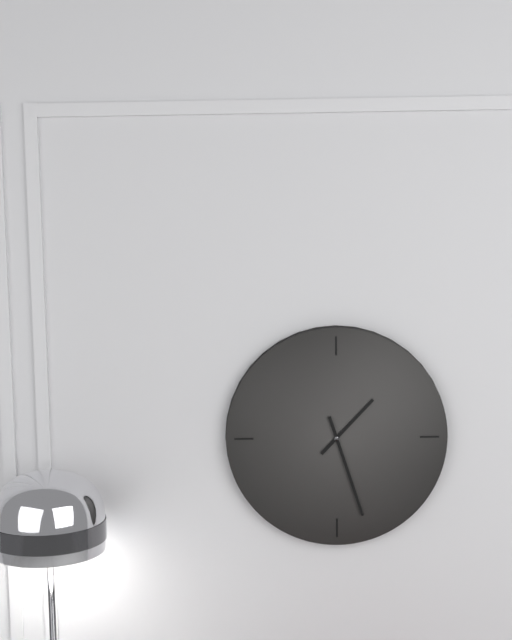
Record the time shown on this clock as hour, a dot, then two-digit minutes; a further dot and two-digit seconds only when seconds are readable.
1.27
